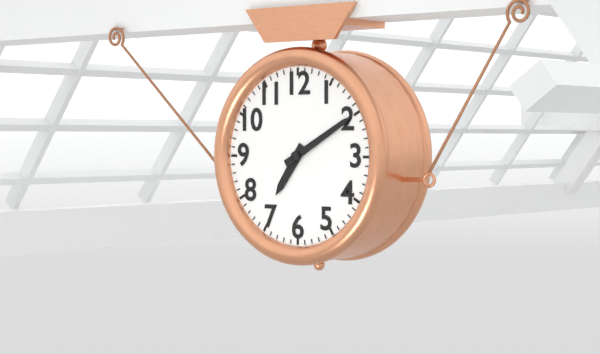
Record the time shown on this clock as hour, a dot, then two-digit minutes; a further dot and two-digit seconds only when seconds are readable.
7.10
